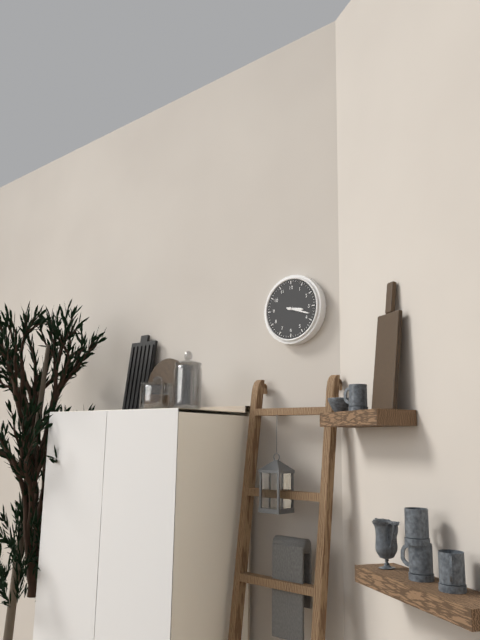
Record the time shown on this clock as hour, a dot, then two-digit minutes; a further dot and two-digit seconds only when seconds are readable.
3.18
